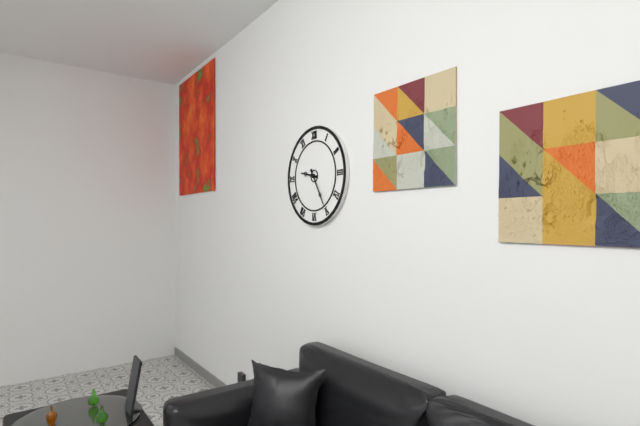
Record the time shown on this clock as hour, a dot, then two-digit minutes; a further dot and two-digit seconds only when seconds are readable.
9.25
